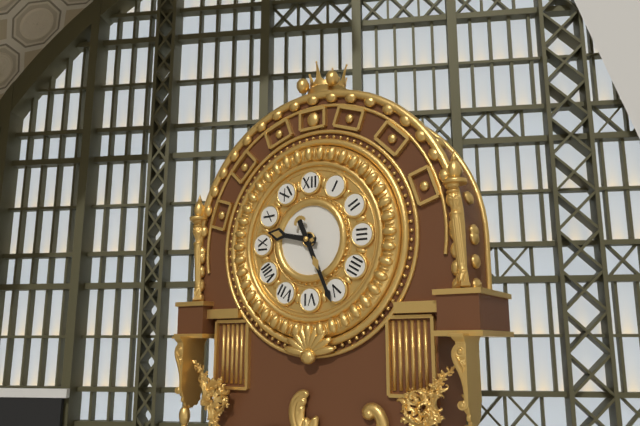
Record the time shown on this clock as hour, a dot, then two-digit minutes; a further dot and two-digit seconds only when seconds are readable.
9.26
